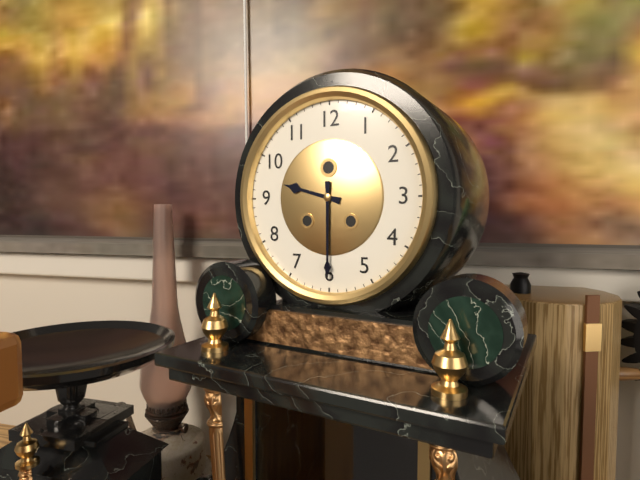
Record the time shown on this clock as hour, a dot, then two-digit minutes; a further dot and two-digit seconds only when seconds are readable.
9.30
